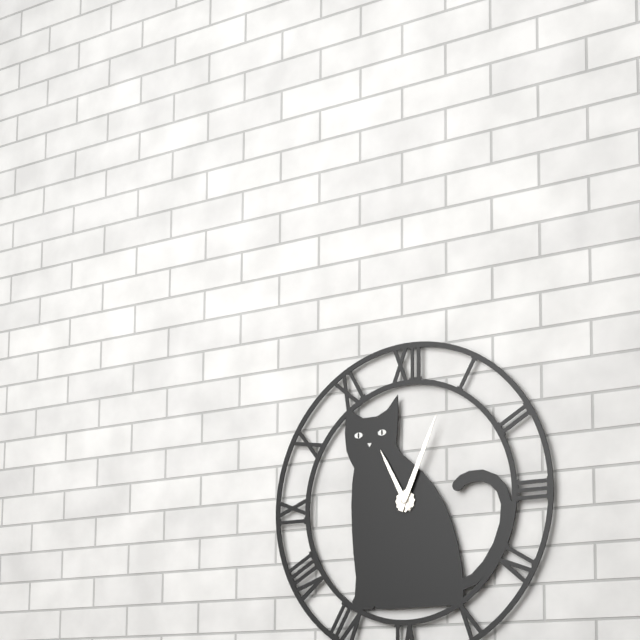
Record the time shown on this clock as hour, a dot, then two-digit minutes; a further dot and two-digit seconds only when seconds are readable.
11.04
